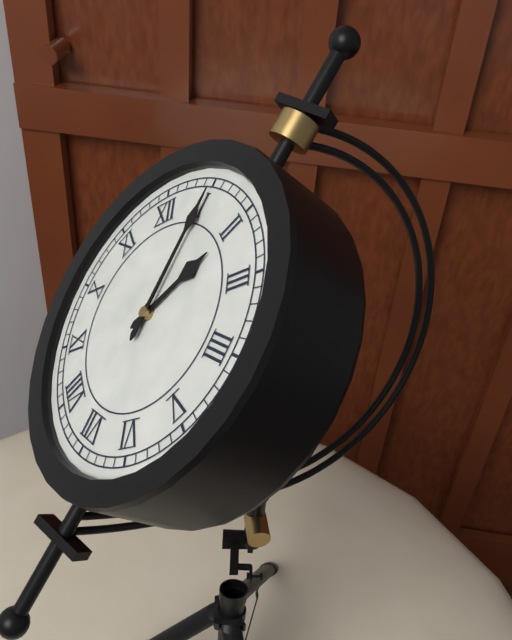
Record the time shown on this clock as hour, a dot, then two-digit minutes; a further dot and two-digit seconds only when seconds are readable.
2.05
